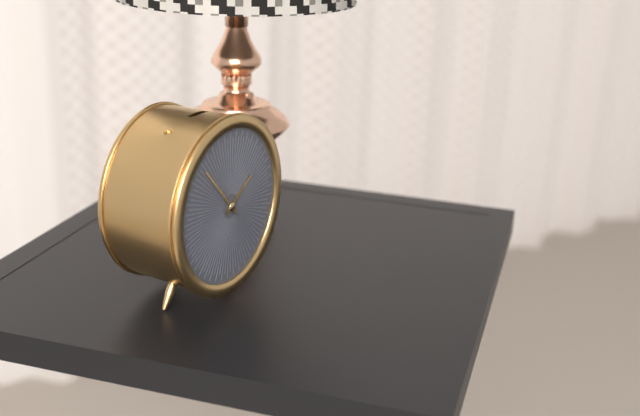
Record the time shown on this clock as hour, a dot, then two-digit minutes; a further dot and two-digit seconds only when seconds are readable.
1.53
